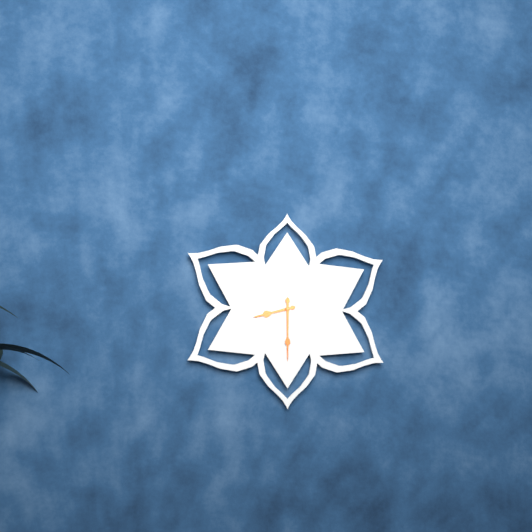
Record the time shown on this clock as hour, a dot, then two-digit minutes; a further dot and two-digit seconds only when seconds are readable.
8.30
